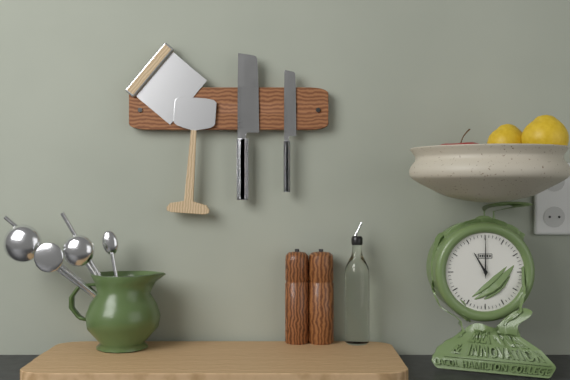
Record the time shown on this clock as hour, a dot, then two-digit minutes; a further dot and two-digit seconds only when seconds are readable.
11.00
